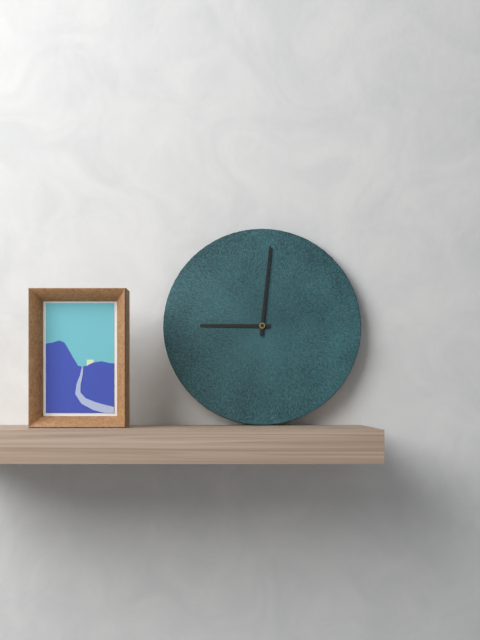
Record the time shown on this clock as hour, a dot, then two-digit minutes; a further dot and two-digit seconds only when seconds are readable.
9.01
